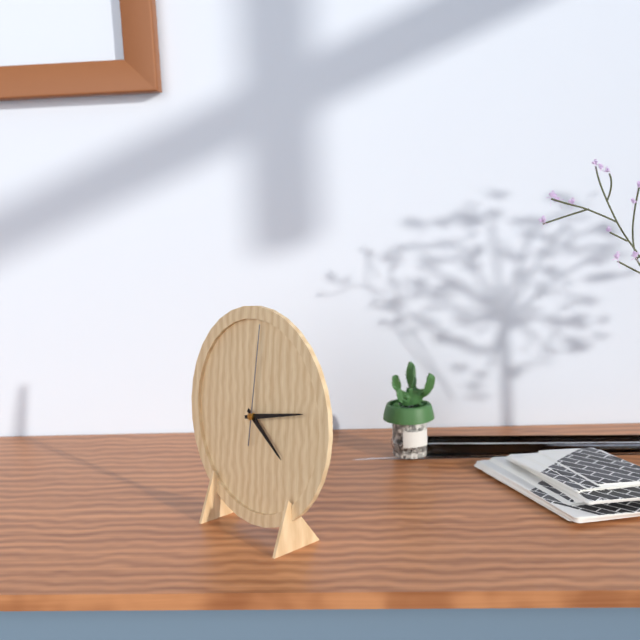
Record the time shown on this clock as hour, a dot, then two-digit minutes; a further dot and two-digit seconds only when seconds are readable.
4.13.01
